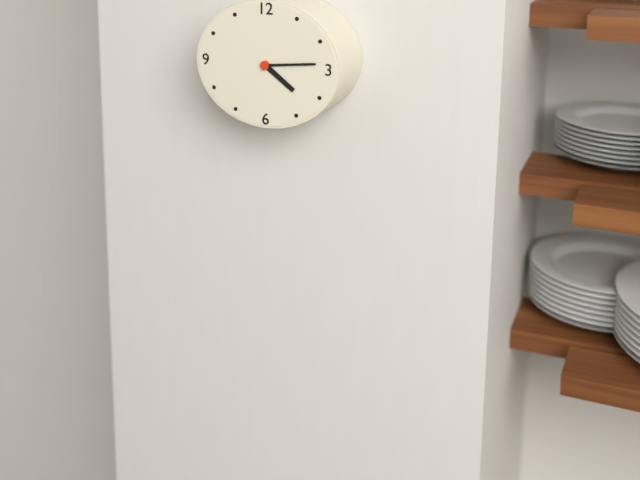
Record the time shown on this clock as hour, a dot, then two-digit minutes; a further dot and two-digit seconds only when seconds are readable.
4.14
